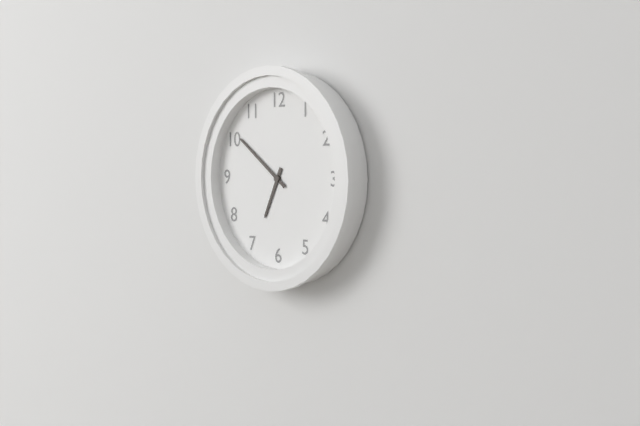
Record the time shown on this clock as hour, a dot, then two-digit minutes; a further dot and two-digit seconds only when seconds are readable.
6.51
